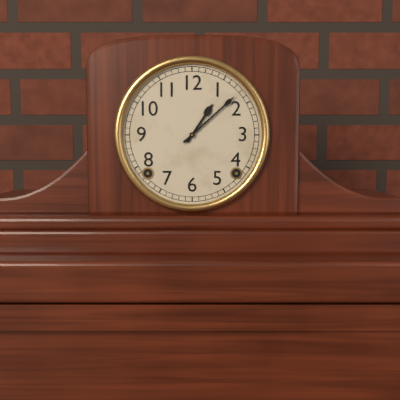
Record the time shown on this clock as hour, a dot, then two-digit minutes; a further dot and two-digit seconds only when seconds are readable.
1.08
